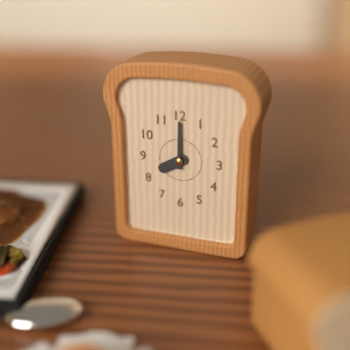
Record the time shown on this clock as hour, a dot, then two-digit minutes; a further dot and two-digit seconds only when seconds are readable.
8.00
